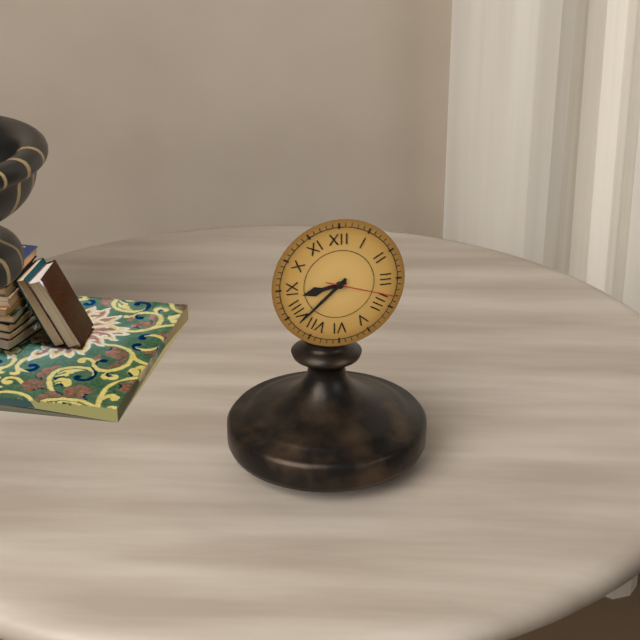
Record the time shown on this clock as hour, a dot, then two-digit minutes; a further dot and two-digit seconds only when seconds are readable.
8.38.18
